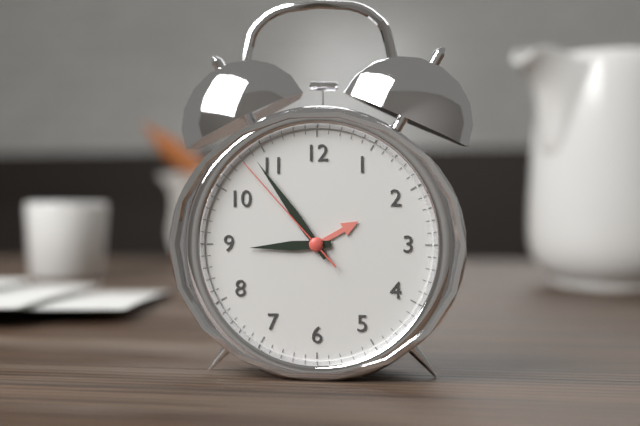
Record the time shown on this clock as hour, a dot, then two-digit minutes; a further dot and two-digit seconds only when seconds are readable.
8.54.53
